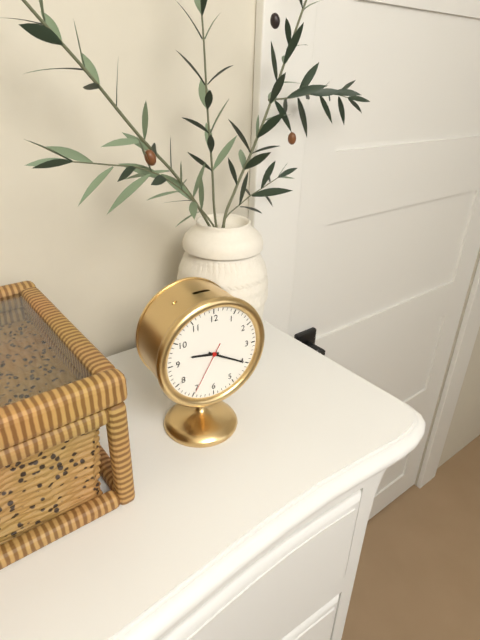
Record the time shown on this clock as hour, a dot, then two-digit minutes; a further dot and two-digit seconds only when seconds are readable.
9.20.35
